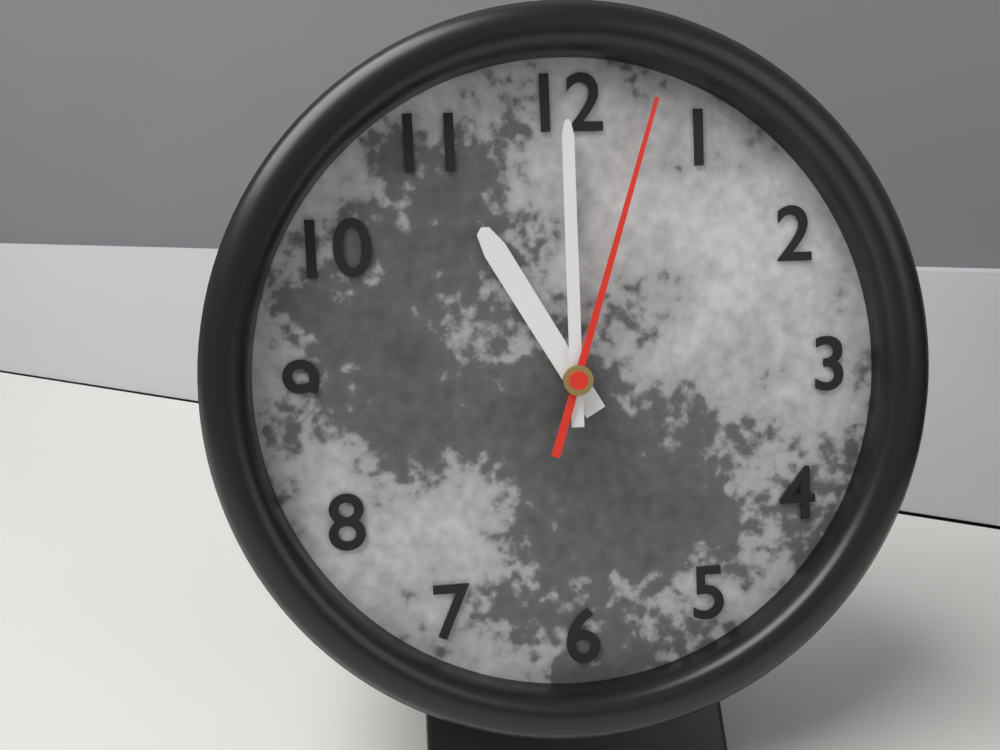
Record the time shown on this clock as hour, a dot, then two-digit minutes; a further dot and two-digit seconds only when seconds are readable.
11.00.03
